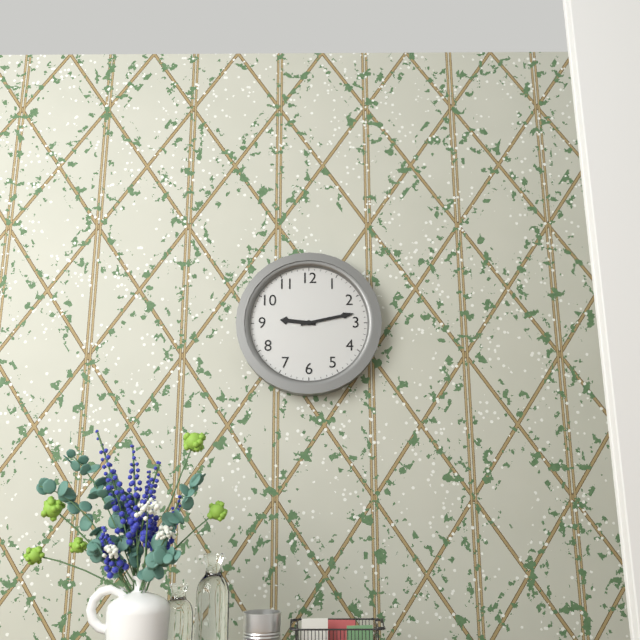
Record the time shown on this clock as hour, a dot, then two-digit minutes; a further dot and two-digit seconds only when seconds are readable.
9.13
